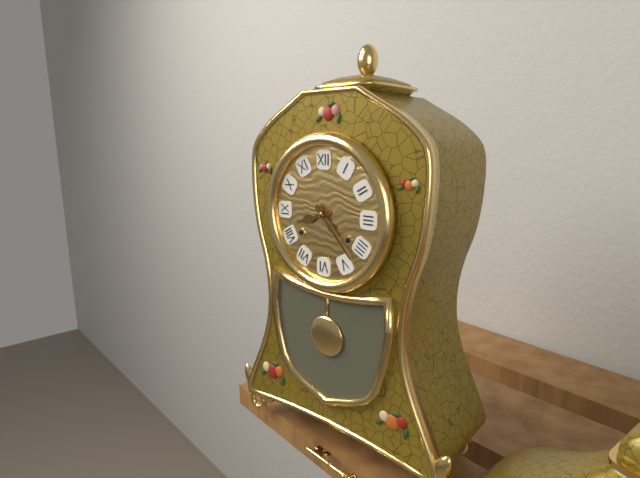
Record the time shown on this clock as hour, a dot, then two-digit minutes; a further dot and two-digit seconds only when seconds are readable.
8.23
